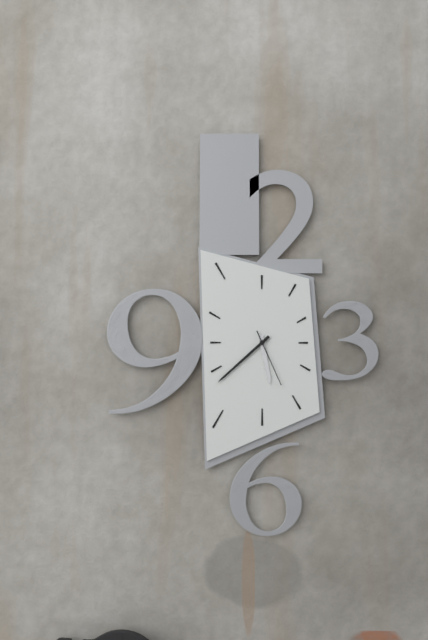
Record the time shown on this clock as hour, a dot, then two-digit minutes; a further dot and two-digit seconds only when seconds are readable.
5.38.26
